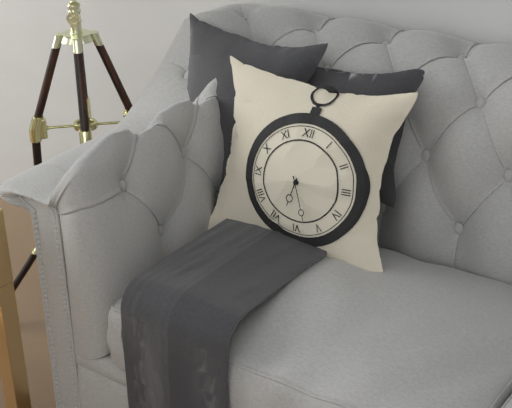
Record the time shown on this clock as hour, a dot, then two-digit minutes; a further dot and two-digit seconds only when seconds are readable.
6.26
